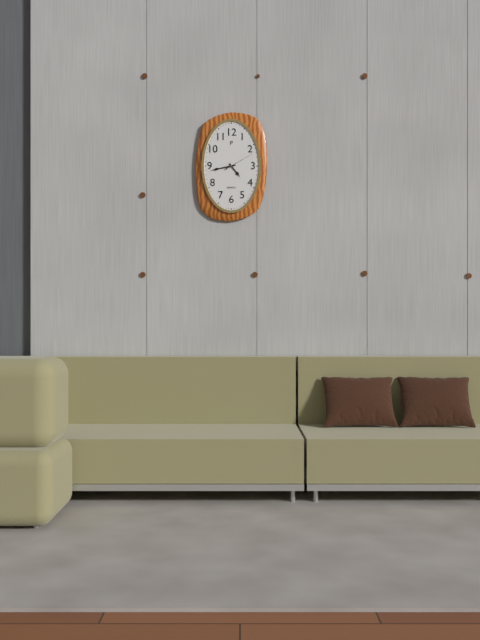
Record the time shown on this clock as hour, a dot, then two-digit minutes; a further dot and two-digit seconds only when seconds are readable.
4.43
